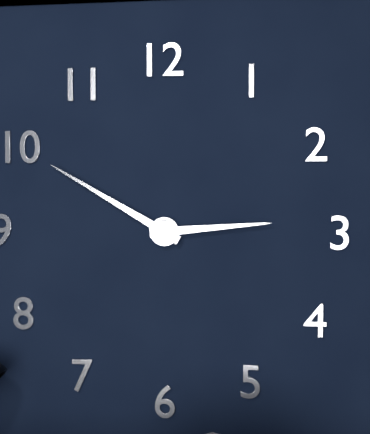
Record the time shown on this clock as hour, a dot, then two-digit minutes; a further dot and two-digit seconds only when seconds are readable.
2.50
